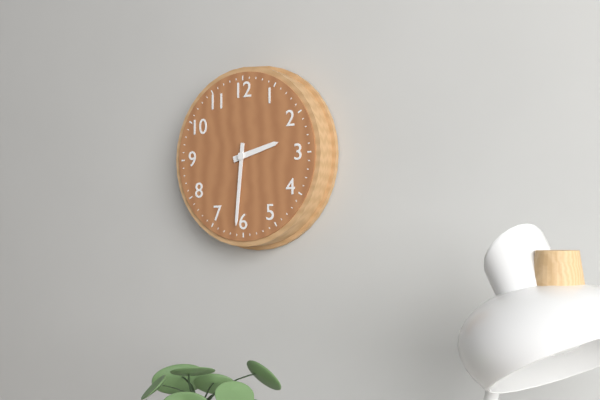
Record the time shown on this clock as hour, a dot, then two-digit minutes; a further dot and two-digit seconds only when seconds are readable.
2.31
